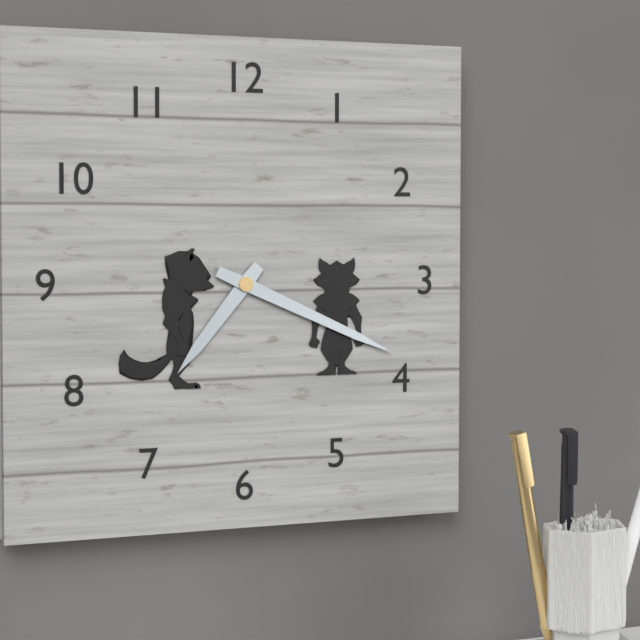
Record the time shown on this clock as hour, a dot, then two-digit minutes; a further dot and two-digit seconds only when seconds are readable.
7.19
